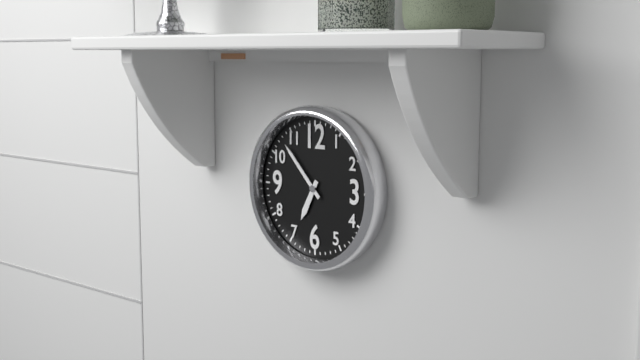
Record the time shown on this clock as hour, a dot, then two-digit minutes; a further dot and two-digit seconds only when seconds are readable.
6.53
